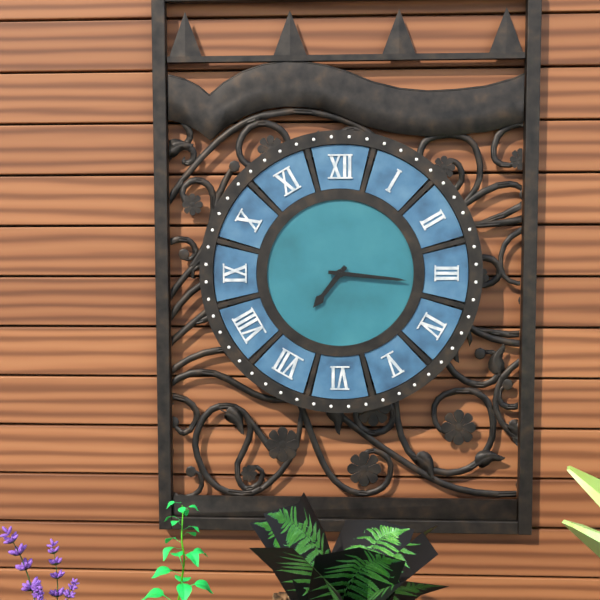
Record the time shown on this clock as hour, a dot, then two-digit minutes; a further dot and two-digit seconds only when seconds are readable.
7.16
